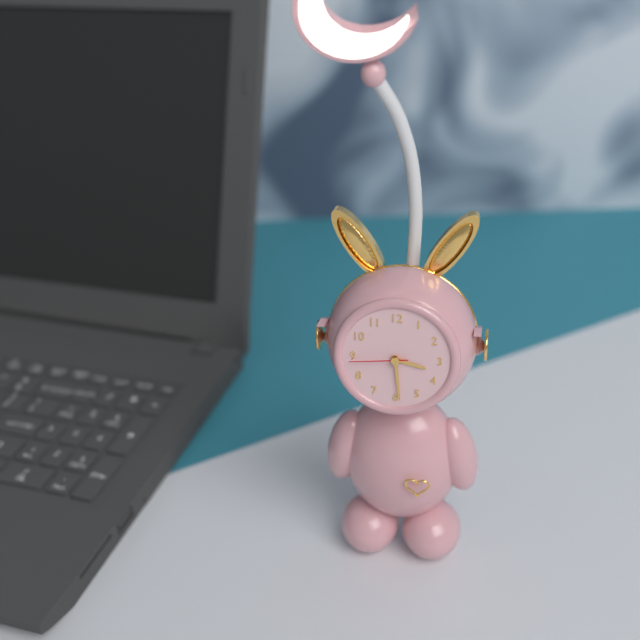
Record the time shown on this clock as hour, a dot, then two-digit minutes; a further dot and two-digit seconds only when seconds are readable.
3.29.44
